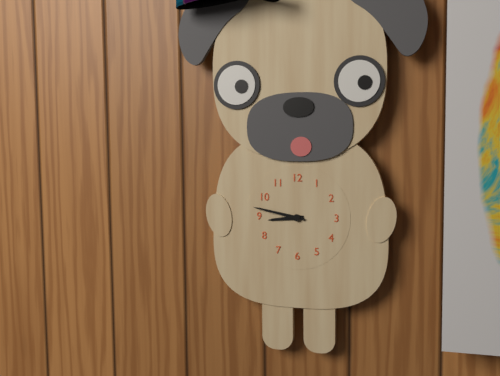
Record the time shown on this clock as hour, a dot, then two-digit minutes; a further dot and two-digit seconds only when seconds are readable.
8.47
